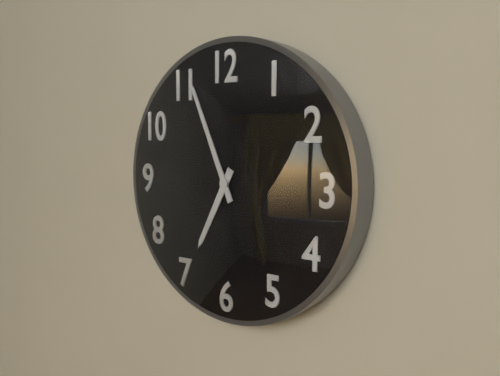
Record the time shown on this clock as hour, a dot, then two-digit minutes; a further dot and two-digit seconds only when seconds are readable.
6.56
